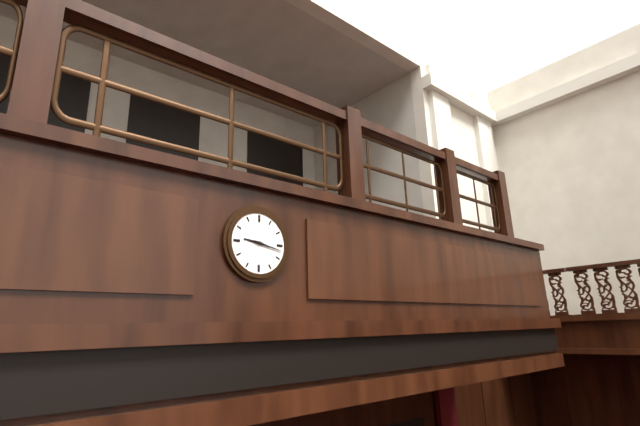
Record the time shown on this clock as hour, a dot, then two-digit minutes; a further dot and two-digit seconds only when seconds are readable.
9.17
